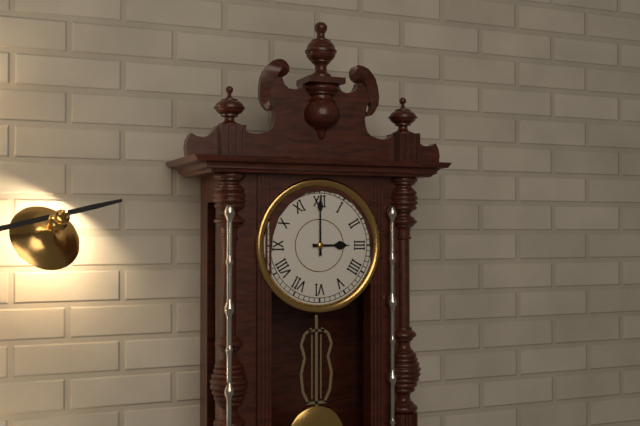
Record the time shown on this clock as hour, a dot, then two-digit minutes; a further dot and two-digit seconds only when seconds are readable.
3.00
